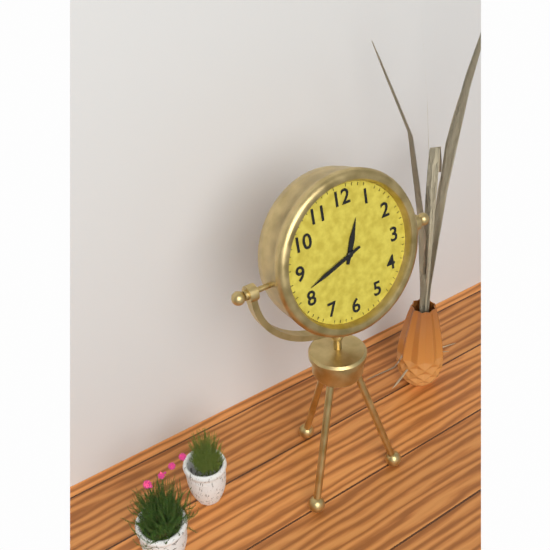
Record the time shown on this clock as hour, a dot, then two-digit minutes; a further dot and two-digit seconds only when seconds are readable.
12.42
